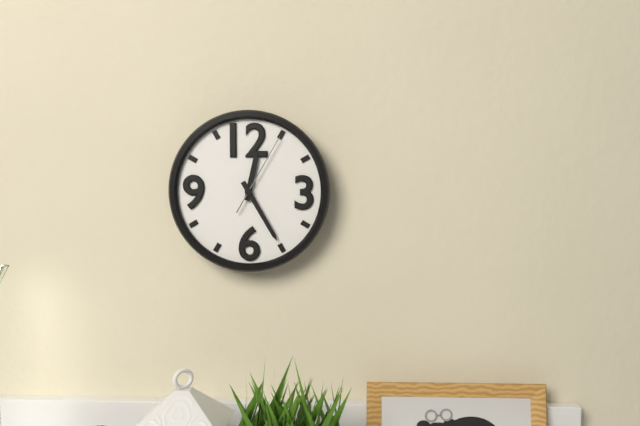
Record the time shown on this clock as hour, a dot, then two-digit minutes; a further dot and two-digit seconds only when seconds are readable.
12.25.05
